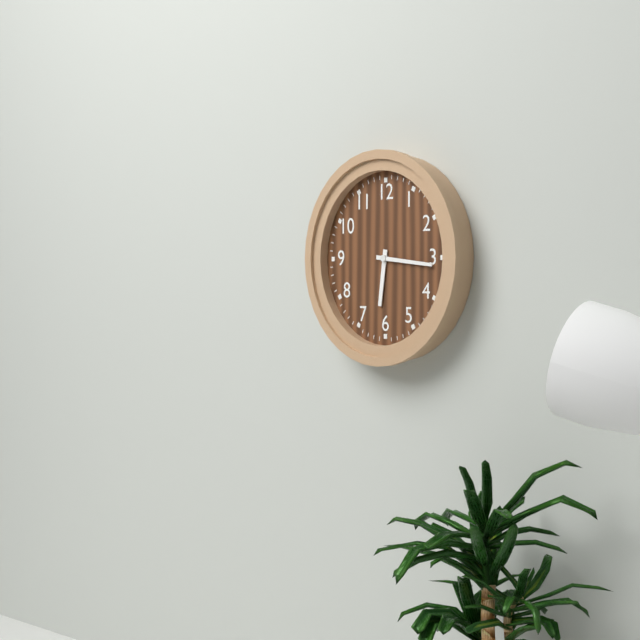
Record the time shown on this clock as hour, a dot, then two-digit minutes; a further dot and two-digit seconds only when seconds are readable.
6.16
